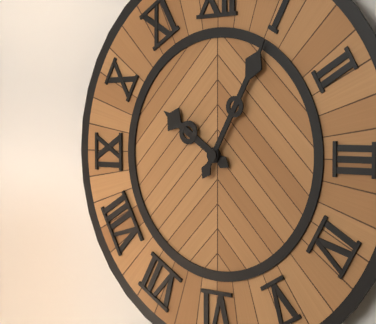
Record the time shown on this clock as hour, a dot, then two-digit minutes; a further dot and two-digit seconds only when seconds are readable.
10.05
